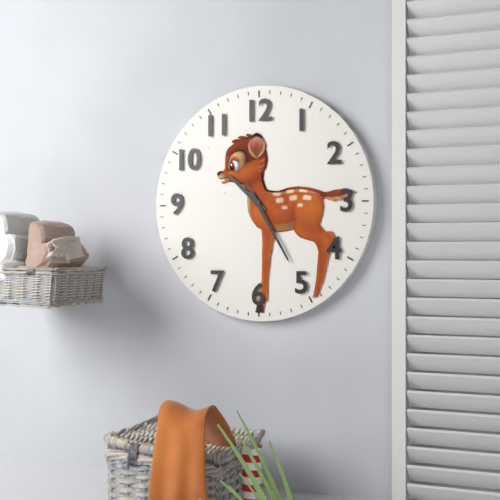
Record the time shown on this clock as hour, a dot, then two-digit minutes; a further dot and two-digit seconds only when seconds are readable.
10.25
